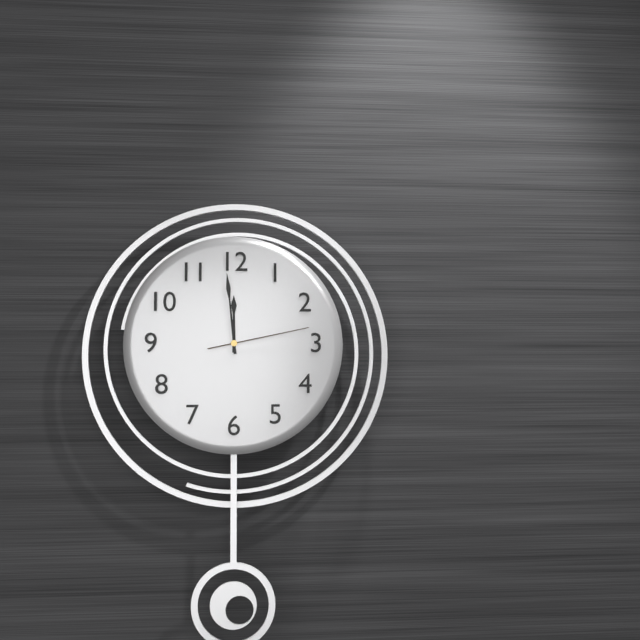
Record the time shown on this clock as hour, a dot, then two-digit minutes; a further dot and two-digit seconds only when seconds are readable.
11.59.13
